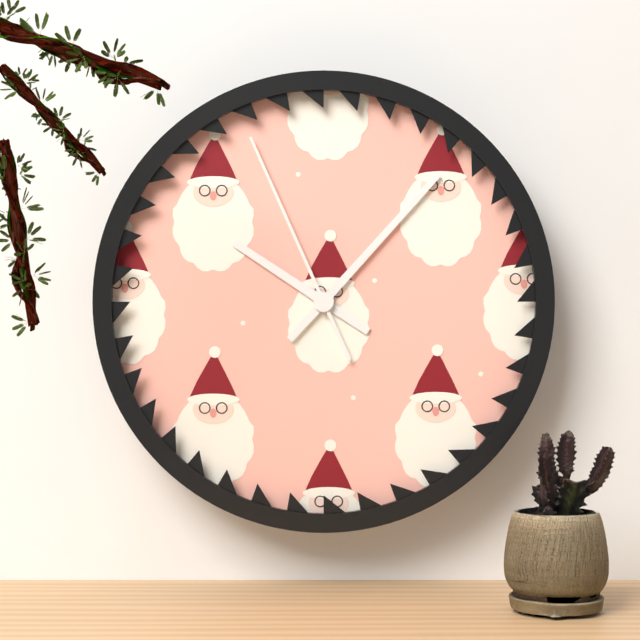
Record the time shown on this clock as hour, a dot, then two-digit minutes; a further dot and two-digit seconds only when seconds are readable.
10.07.56
